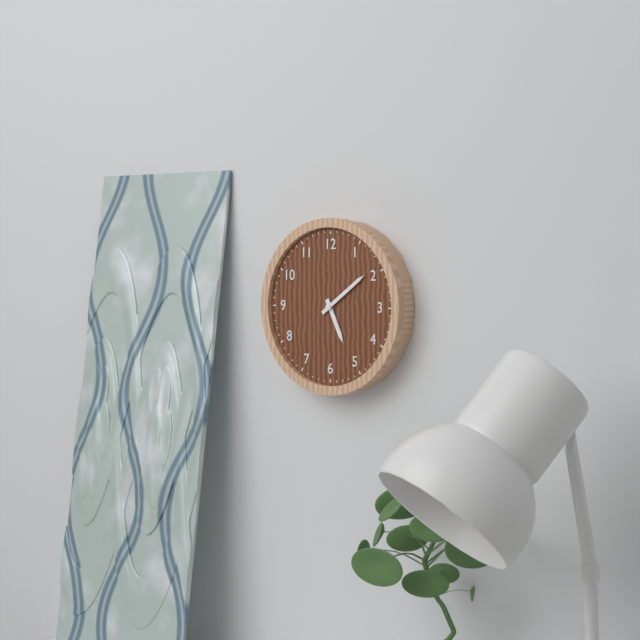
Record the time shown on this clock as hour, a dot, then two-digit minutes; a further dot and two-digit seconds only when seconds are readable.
5.09
